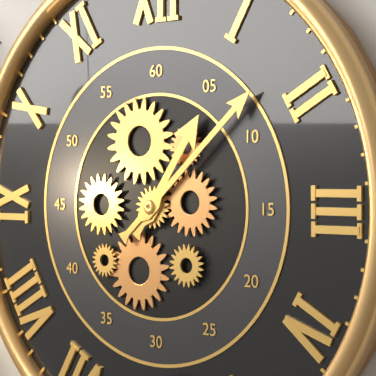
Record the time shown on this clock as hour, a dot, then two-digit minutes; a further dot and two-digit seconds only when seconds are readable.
1.08
